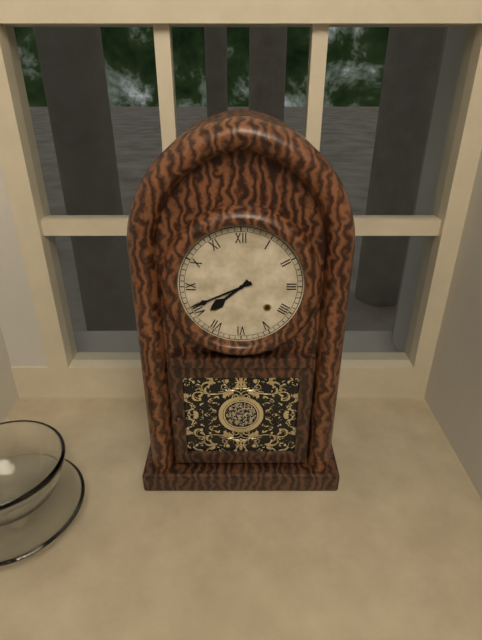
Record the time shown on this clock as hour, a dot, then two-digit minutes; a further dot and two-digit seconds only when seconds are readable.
7.41
